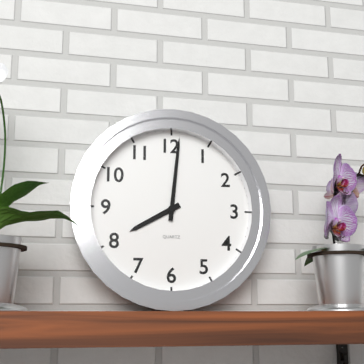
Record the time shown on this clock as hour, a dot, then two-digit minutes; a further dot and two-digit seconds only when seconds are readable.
8.01
